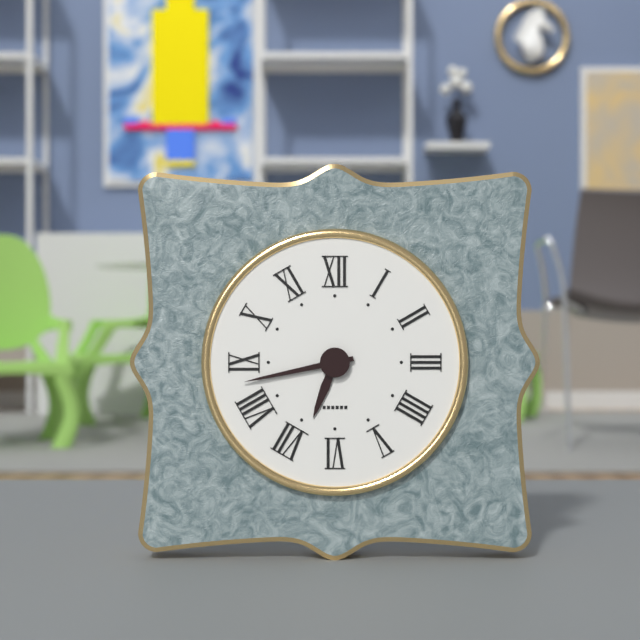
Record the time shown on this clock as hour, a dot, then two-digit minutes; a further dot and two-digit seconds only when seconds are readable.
6.43
